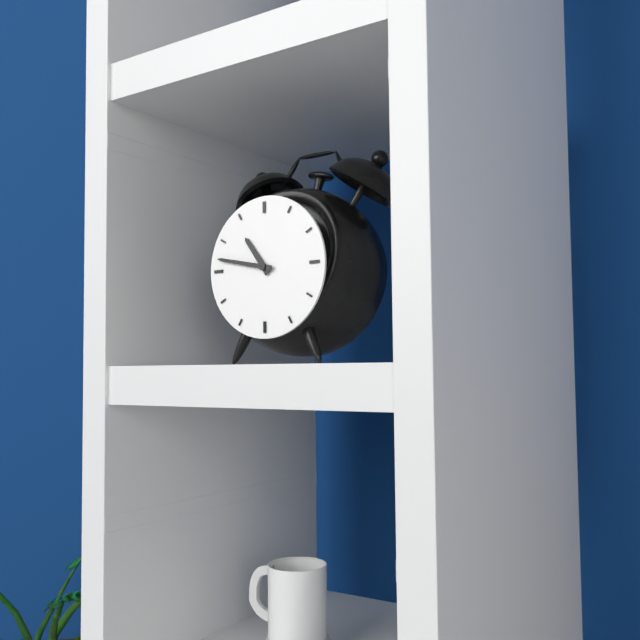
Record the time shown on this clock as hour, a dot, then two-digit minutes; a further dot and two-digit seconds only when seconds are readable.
10.47
